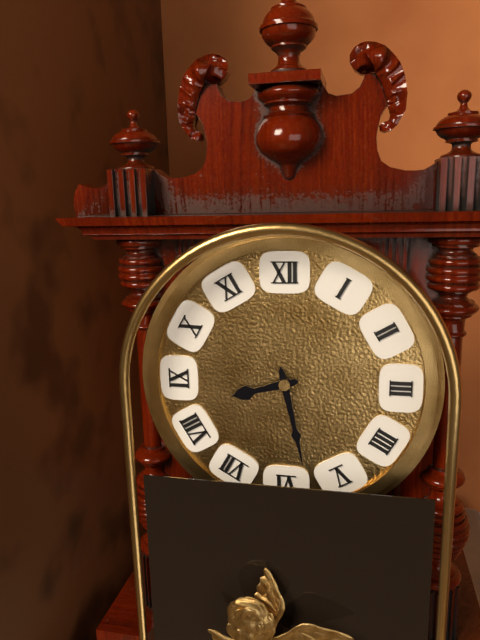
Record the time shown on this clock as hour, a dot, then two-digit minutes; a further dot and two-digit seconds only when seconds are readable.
8.28
